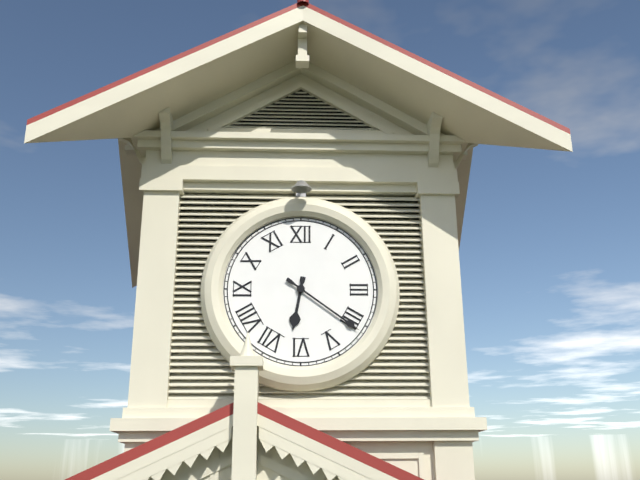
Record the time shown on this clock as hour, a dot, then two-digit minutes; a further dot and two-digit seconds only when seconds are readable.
6.21
